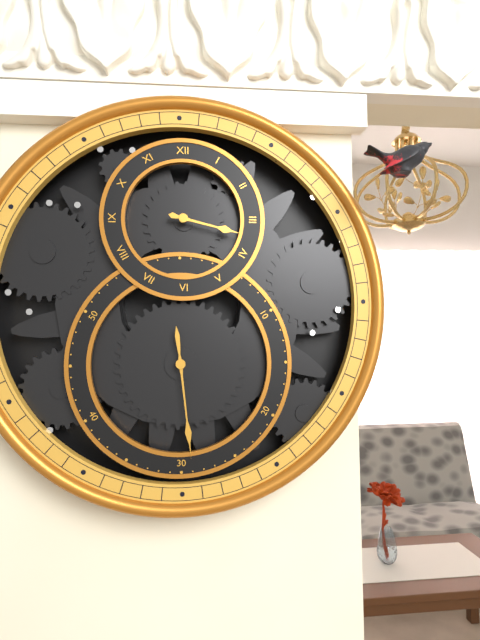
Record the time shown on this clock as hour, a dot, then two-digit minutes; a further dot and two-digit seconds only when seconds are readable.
3.29
